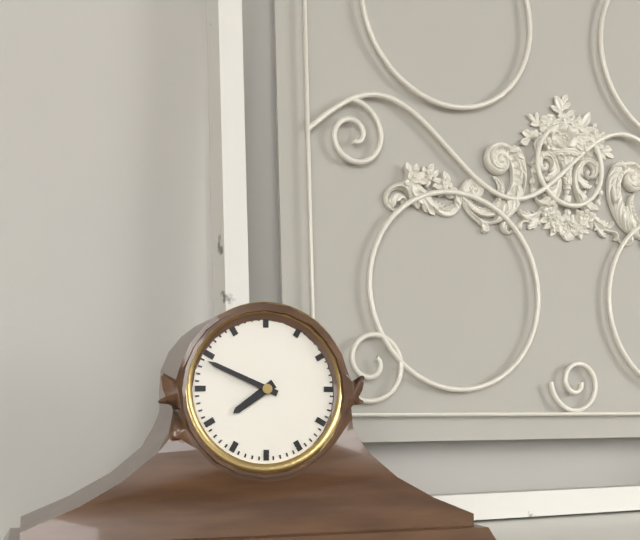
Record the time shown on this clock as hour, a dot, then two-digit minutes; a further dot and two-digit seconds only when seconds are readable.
7.49
